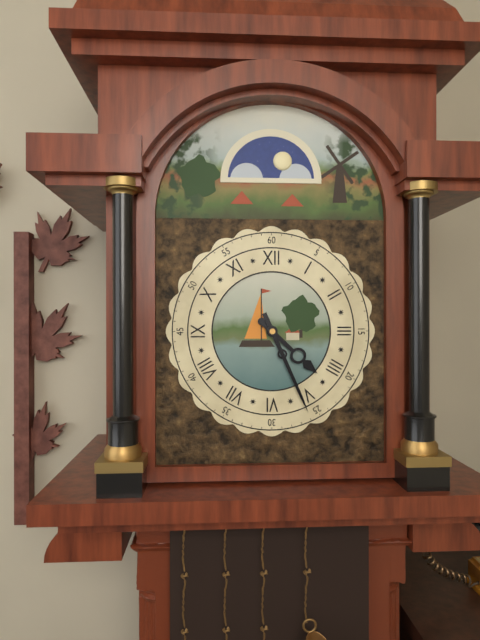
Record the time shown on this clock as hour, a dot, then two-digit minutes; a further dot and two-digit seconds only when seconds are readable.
4.26
